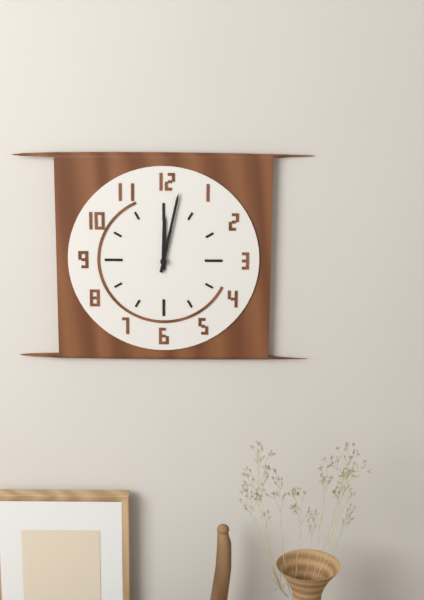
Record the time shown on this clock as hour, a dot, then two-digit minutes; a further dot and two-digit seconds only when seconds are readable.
12.02
